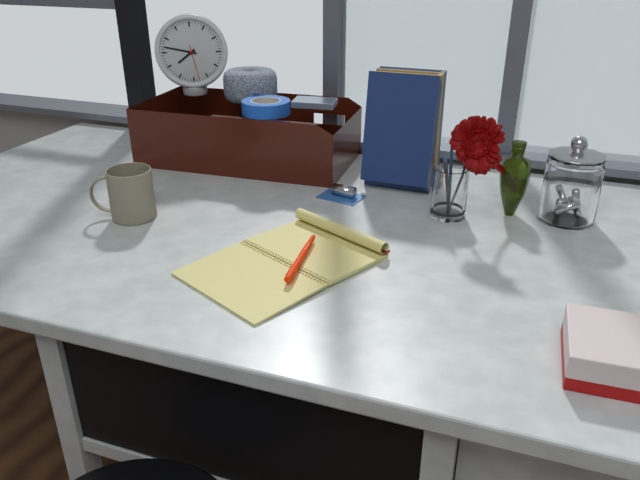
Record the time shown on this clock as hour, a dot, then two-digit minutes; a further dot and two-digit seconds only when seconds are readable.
7.47
